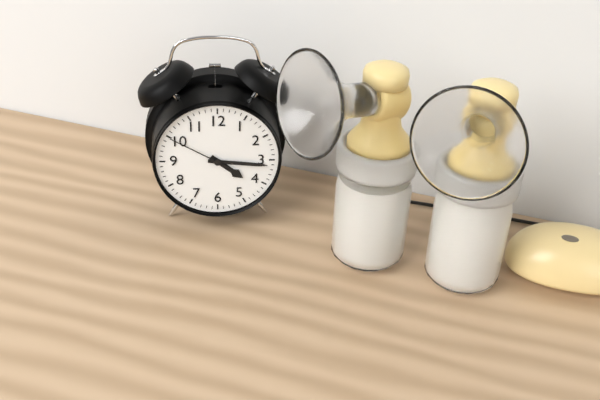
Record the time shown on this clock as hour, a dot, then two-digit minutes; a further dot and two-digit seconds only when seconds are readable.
4.16.50
